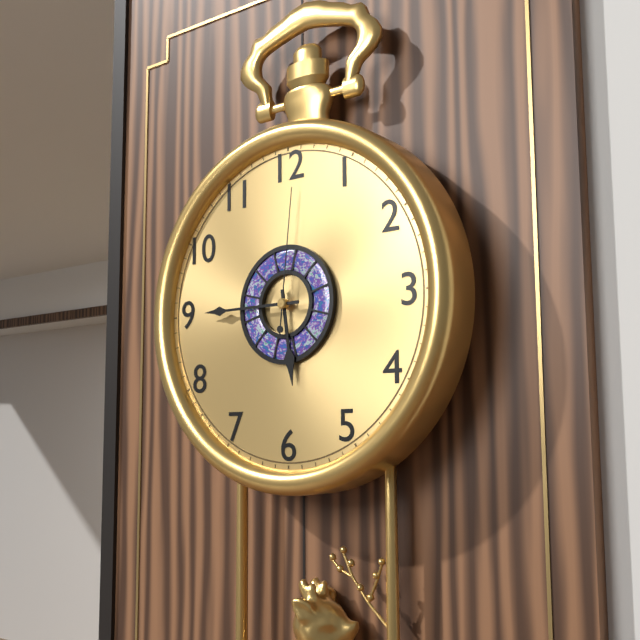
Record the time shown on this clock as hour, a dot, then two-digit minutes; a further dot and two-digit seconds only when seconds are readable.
5.45.01
